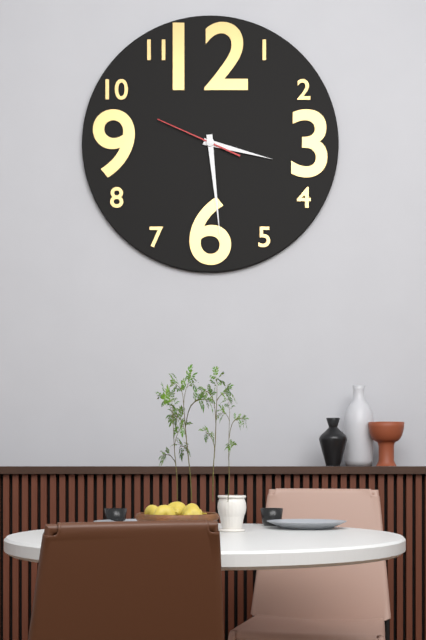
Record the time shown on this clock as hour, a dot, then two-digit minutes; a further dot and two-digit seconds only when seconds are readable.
3.29.49
